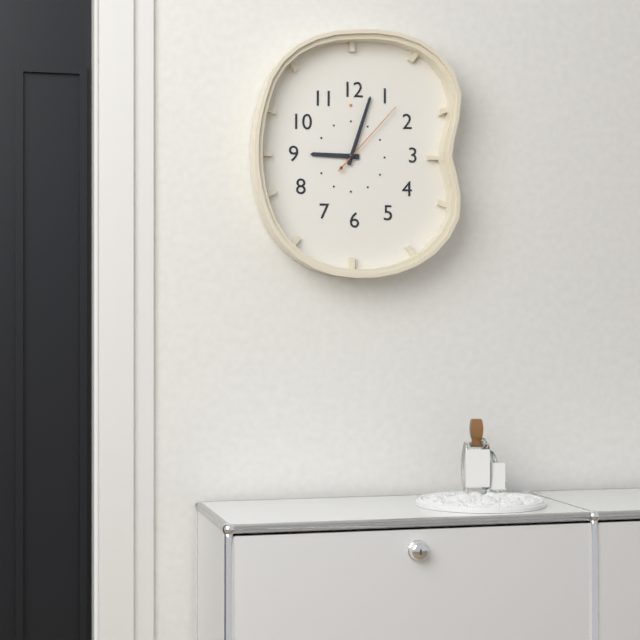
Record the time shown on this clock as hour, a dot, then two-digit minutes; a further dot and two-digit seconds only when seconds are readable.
9.03.07
